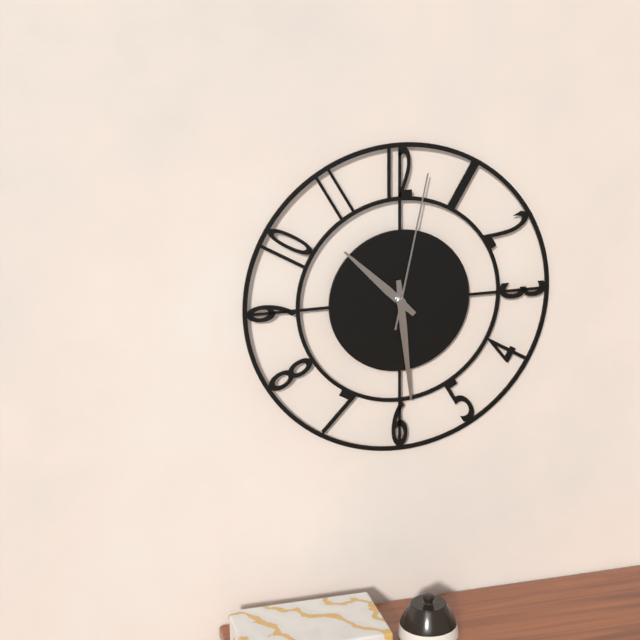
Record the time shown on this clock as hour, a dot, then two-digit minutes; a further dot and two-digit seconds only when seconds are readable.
10.29.02
